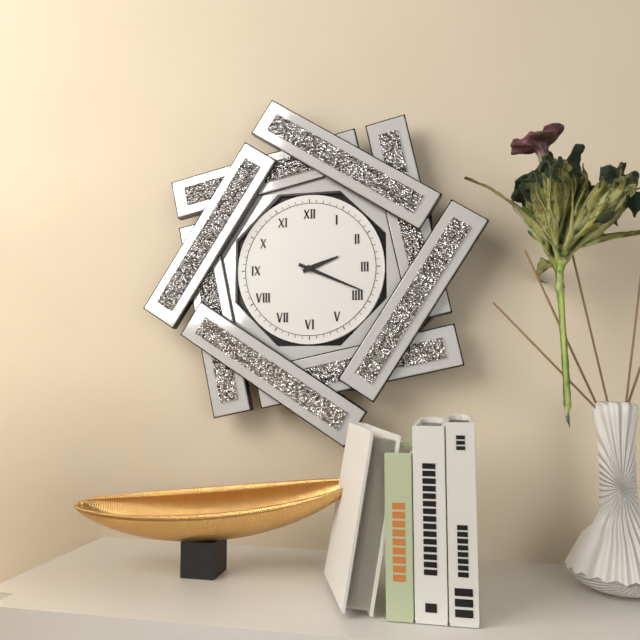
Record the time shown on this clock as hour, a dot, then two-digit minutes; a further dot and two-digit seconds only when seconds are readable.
2.19
